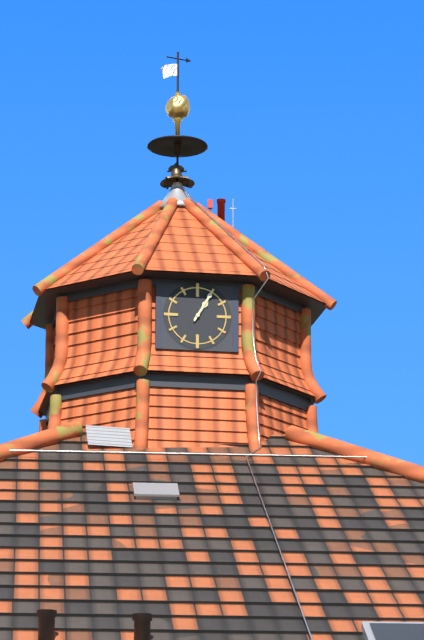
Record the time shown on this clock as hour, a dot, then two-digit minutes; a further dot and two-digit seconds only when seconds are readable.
1.05
